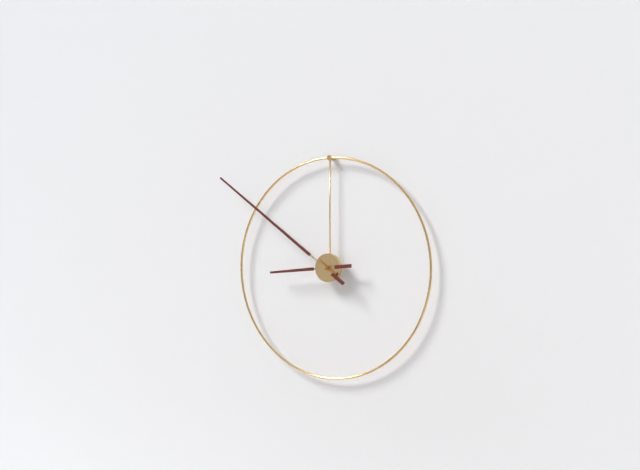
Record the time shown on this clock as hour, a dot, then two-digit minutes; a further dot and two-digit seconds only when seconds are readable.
8.51
